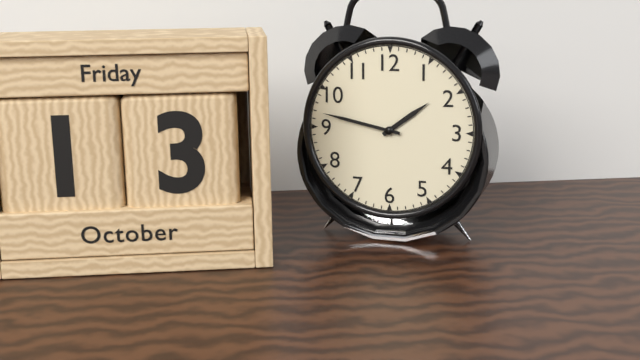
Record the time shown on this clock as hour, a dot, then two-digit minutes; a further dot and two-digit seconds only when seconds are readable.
1.47
